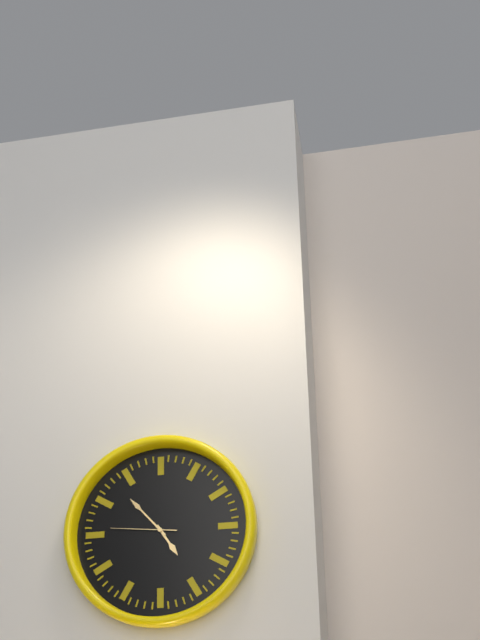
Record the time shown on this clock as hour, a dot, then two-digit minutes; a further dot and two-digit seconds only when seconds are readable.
4.53.46
